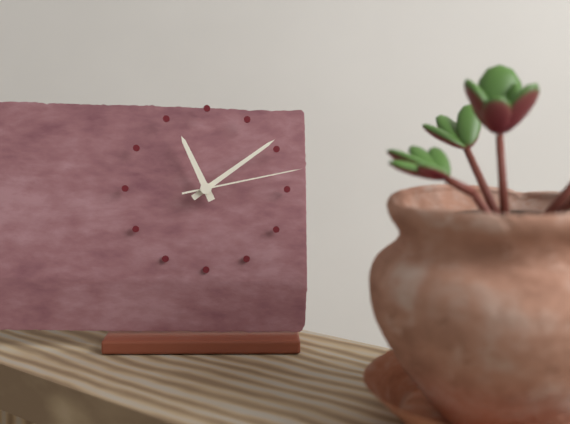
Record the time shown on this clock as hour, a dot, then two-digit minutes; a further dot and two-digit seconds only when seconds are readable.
11.09.13
